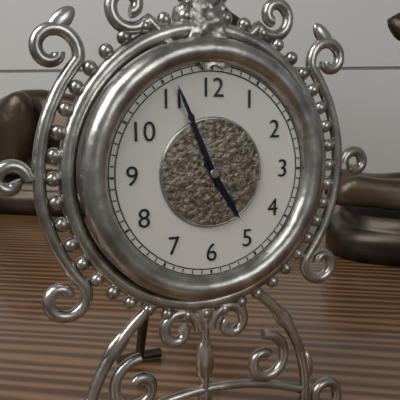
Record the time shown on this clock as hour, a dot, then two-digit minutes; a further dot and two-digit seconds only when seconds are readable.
4.56
